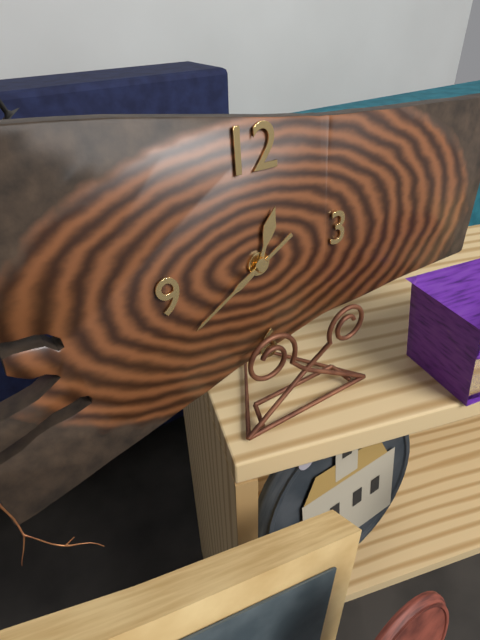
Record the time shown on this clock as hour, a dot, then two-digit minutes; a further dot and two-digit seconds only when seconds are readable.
12.40
